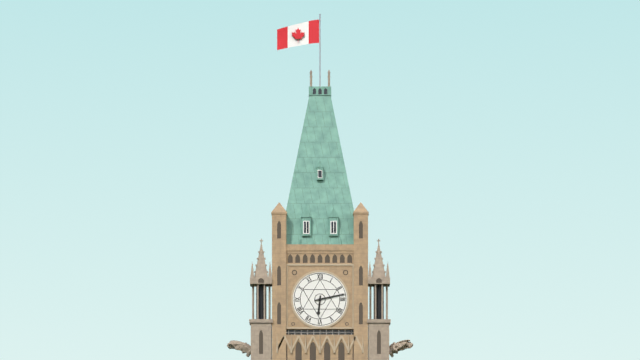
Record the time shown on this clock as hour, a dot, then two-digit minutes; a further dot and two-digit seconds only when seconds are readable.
6.13
